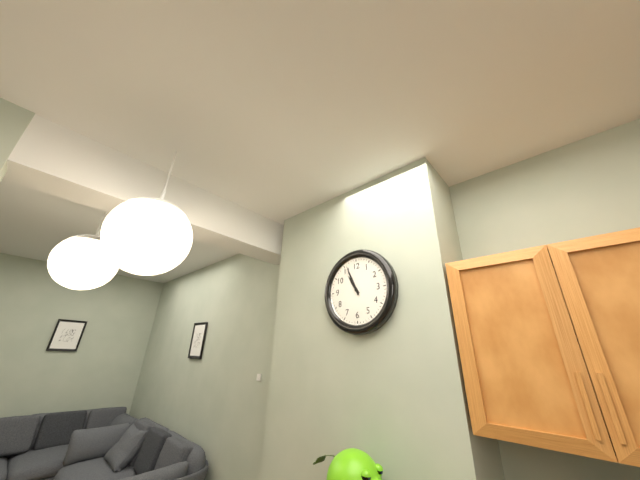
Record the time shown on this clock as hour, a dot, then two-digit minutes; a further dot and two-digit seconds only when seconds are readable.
10.56
